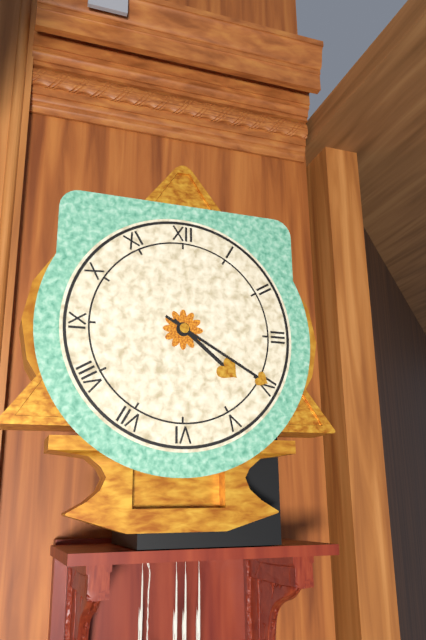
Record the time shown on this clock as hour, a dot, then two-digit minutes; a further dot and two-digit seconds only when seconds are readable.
4.20
